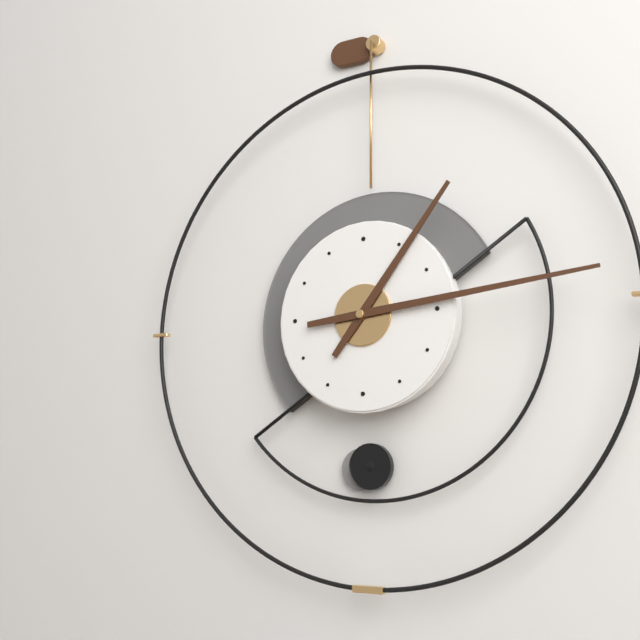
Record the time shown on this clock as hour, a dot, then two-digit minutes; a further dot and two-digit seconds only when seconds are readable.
1.14
